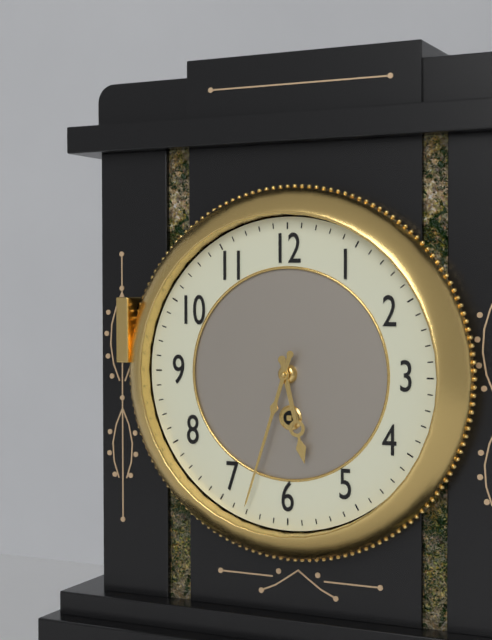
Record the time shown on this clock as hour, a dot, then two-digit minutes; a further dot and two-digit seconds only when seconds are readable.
5.33
